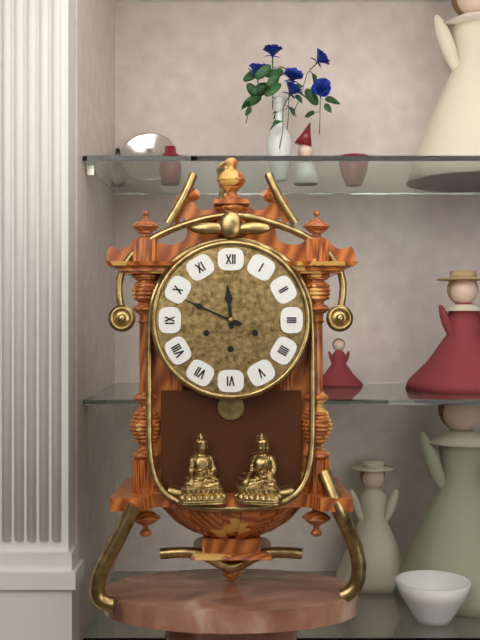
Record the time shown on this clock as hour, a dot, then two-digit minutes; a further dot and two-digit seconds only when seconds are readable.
11.49
